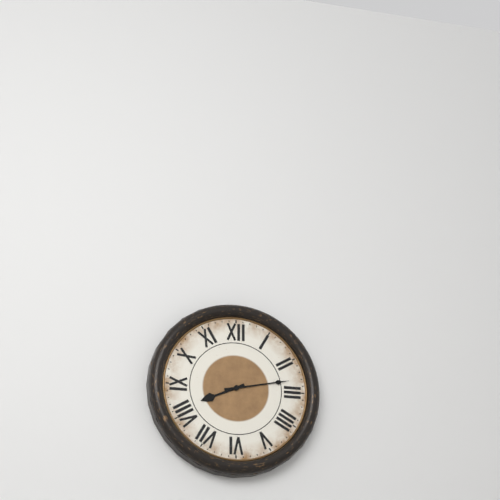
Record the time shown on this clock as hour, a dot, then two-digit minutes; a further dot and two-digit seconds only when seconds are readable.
8.13
